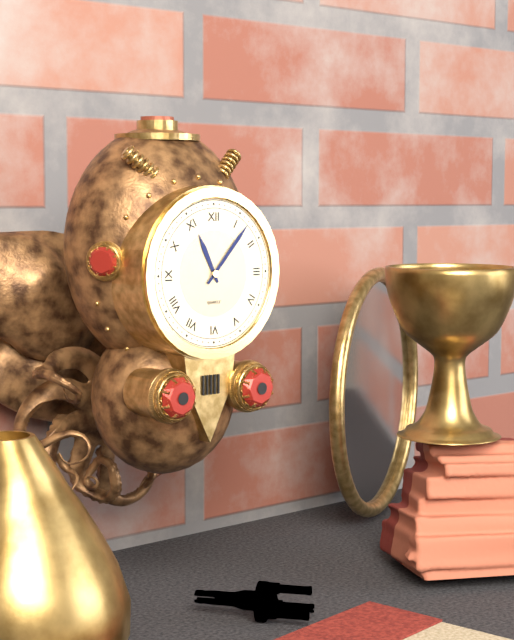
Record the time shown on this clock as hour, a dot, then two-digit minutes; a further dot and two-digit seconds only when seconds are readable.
11.07
